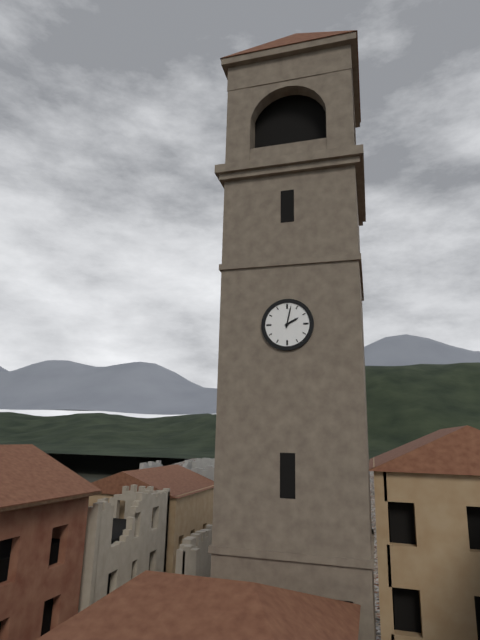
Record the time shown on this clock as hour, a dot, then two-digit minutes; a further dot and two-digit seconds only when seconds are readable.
2.02
